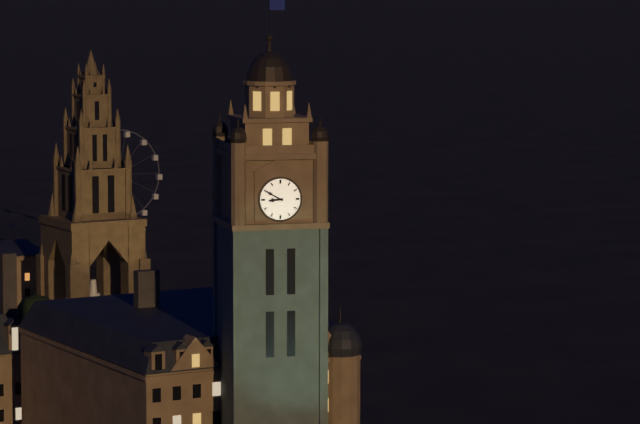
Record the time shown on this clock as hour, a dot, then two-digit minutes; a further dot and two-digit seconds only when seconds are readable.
8.50
